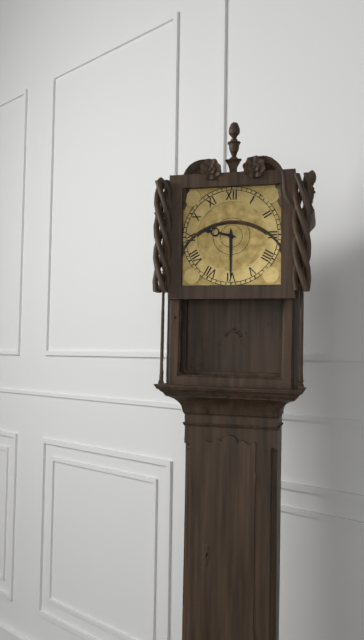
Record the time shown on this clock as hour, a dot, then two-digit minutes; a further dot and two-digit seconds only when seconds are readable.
9.30
